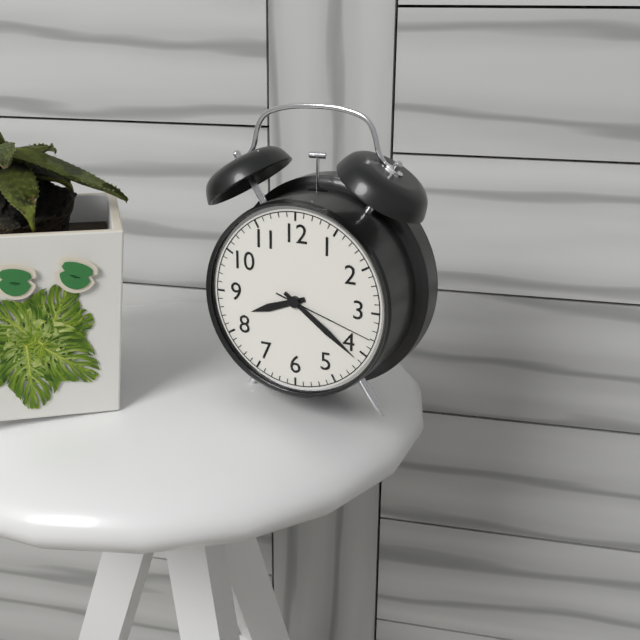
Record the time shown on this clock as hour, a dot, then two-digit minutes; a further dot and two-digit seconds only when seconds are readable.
8.21.18
